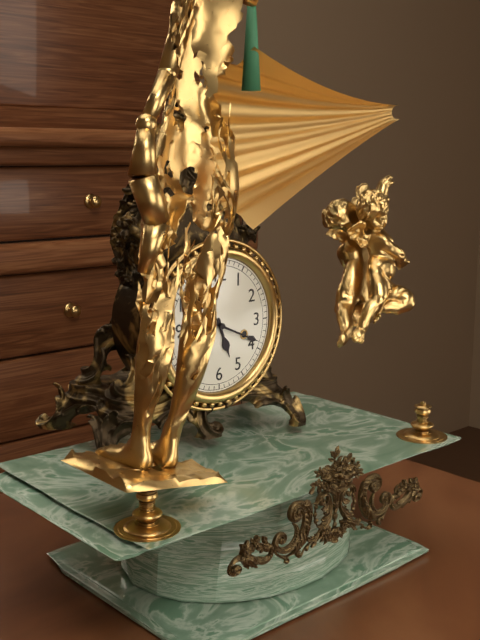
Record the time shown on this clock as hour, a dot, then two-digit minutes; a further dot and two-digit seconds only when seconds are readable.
5.19
